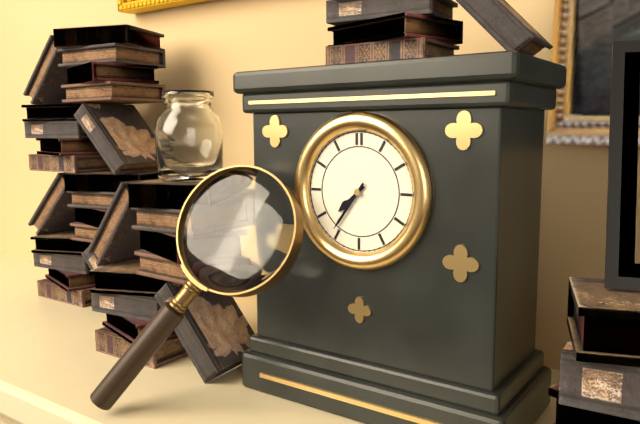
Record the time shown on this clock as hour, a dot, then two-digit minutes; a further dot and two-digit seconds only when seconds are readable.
7.36
